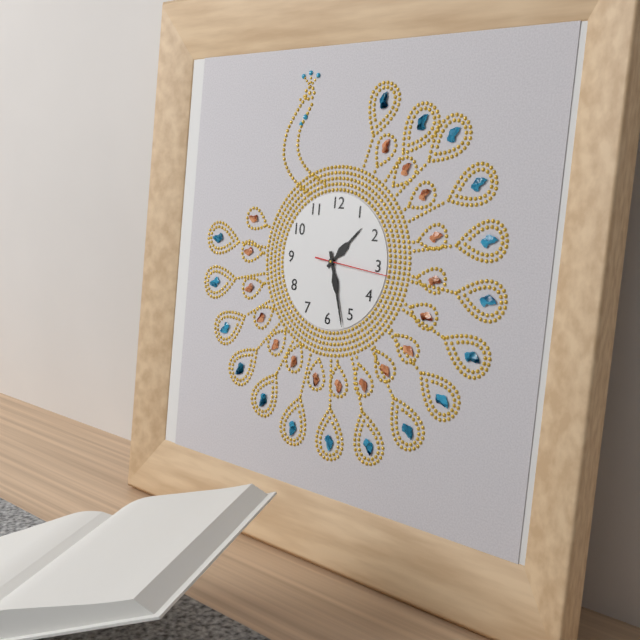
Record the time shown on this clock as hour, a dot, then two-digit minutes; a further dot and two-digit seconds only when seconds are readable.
1.27.16
